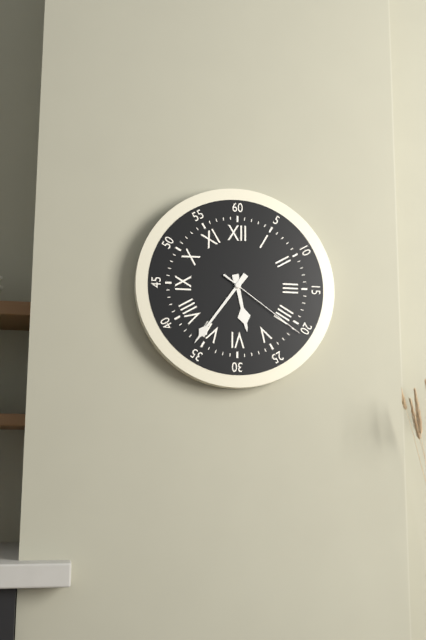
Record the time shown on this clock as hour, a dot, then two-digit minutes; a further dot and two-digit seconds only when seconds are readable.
5.36.21
